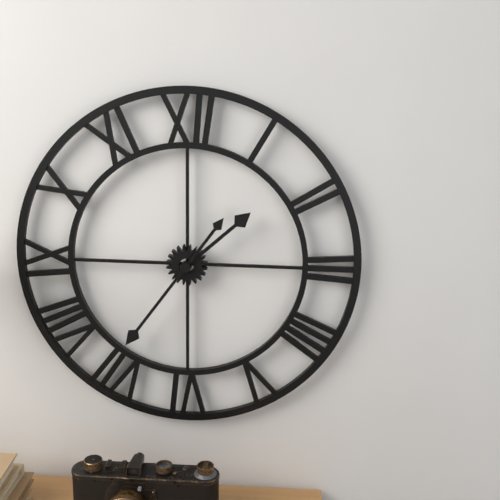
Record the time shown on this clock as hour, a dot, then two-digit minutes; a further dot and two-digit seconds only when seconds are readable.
1.36
